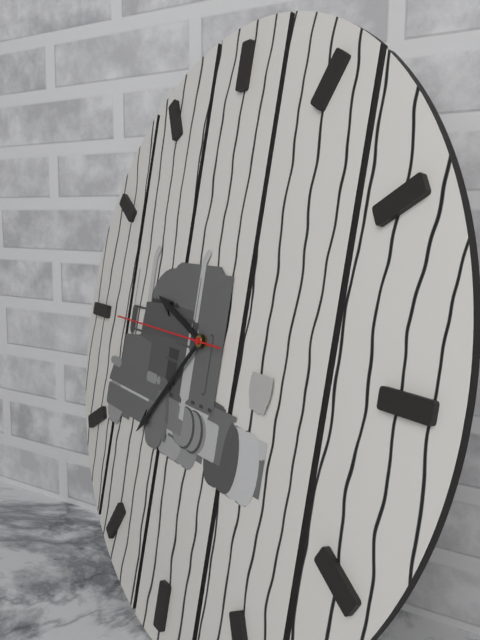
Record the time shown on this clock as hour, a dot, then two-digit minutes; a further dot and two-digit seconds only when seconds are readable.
9.37.45
